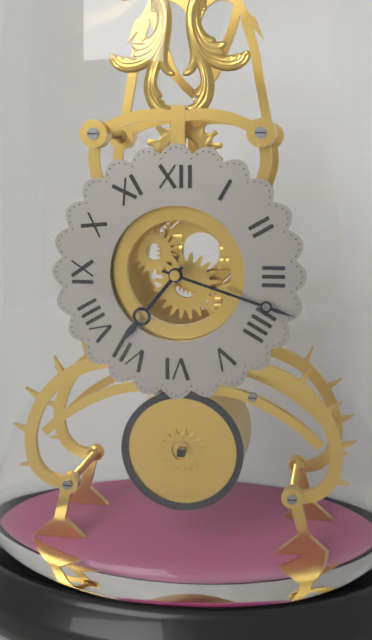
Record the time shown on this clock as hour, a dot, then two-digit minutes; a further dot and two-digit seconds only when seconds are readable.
7.18
